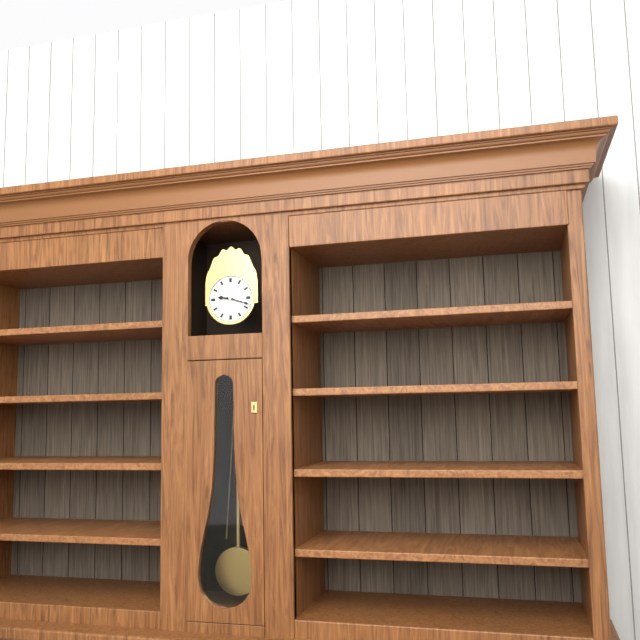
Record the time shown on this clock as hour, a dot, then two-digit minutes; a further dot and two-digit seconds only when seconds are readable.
9.18
